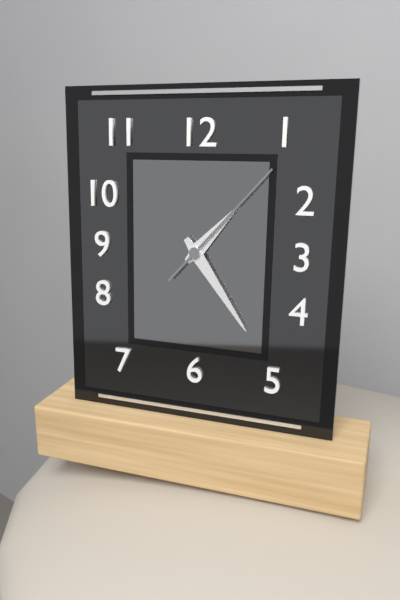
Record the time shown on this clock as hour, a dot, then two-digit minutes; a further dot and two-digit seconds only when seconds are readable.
1.24.07
